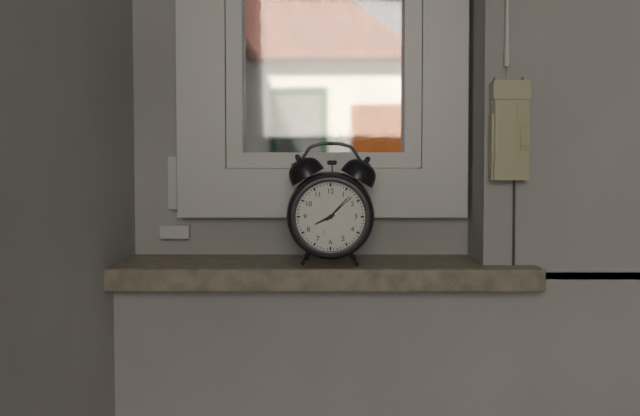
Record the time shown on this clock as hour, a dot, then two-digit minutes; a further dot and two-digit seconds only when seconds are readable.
8.07
